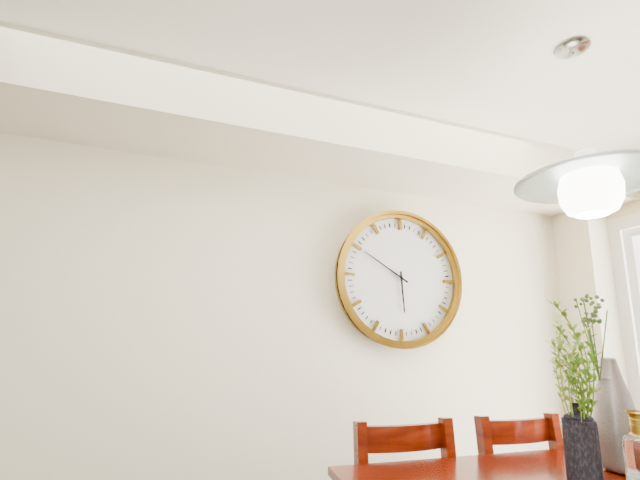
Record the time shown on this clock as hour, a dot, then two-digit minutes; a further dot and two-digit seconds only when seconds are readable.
5.50
